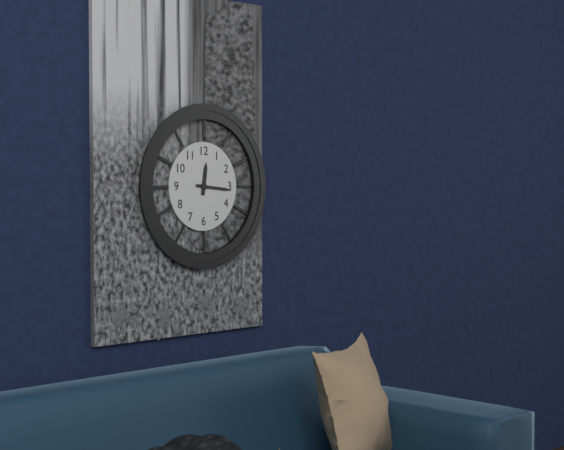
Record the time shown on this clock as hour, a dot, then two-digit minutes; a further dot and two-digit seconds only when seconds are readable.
12.16
